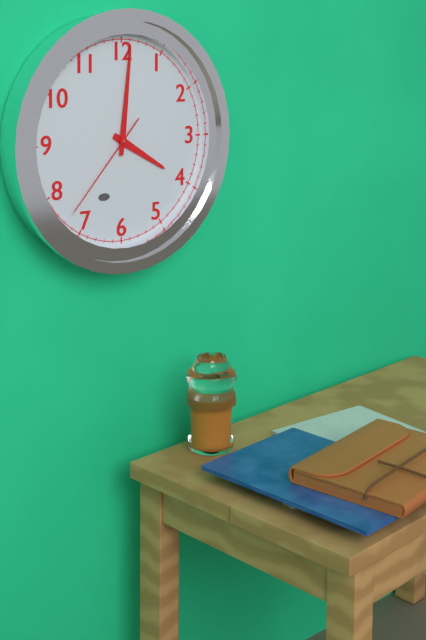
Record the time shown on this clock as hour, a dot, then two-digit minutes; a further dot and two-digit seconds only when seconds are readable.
4.01.37
